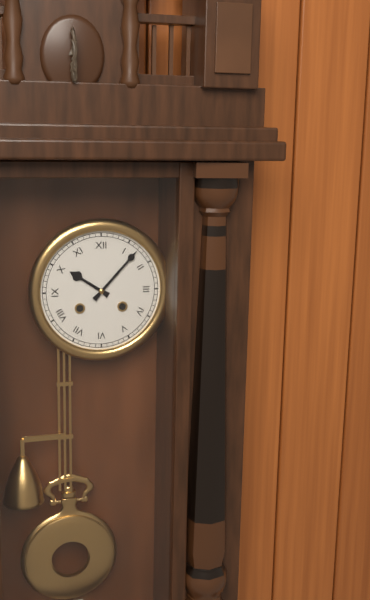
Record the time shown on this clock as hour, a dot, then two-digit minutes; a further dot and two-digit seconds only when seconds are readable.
10.07
